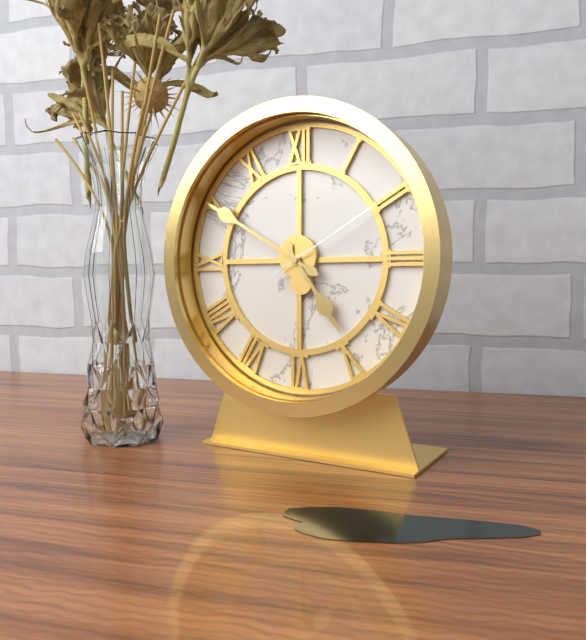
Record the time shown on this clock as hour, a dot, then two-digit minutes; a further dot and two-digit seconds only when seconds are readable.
4.50.10
